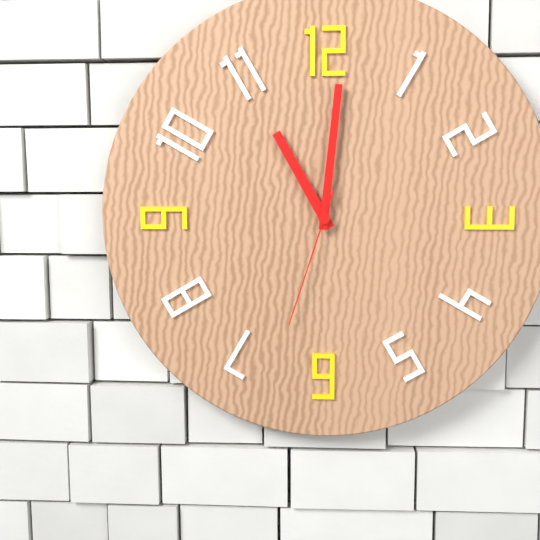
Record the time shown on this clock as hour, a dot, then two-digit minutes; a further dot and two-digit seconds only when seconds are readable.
11.01.33
